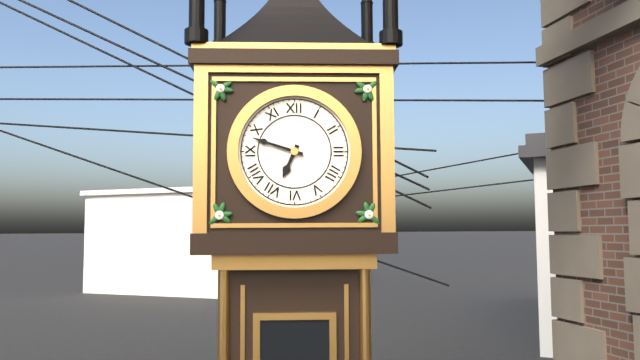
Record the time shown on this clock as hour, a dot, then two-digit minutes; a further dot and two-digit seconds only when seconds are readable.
6.48
